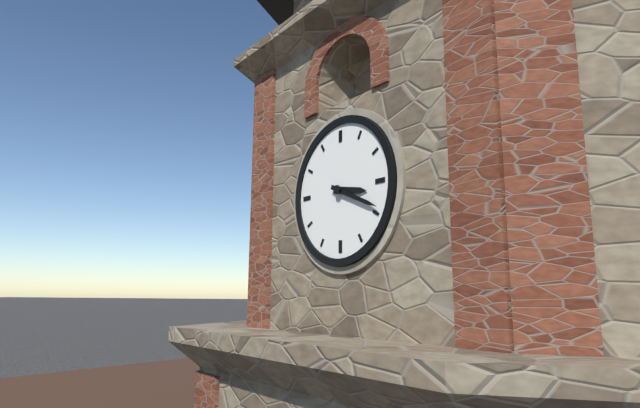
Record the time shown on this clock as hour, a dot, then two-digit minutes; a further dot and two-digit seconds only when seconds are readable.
3.19
